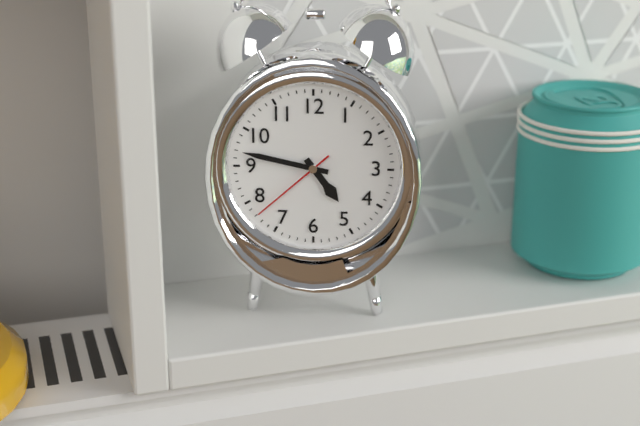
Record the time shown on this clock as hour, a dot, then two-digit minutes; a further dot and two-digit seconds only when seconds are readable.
4.47.38
